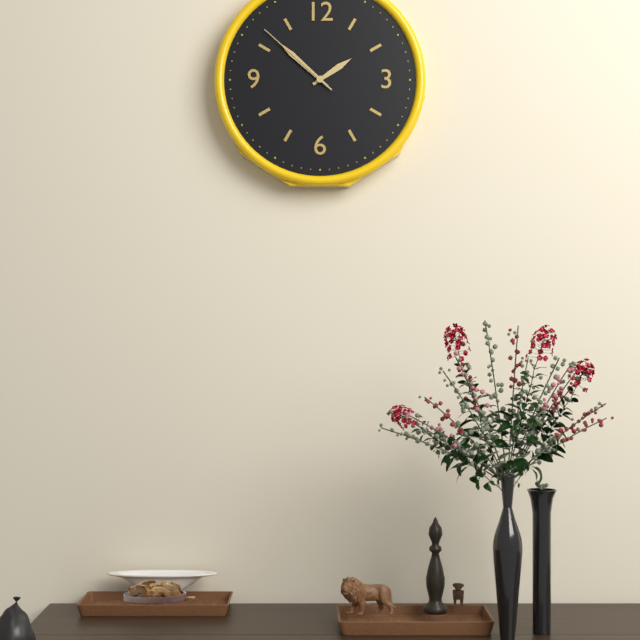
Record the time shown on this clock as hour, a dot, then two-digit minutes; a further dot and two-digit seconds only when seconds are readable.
1.52.52
